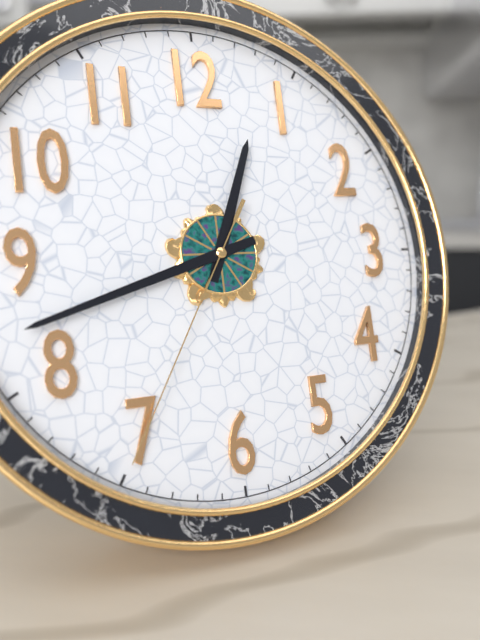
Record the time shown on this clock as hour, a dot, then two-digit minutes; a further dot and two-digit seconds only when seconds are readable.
12.42.35
